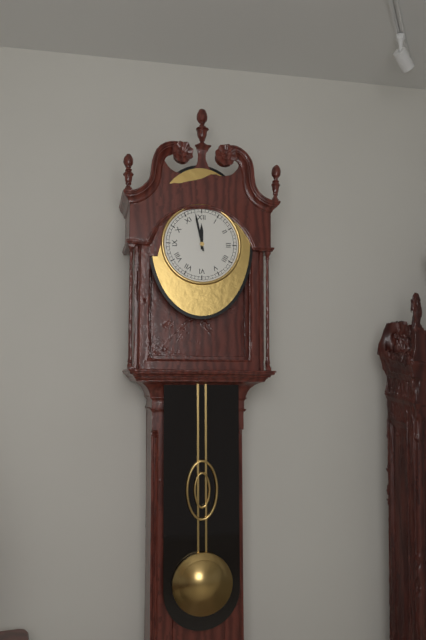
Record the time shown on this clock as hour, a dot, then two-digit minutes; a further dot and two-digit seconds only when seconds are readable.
11.58
